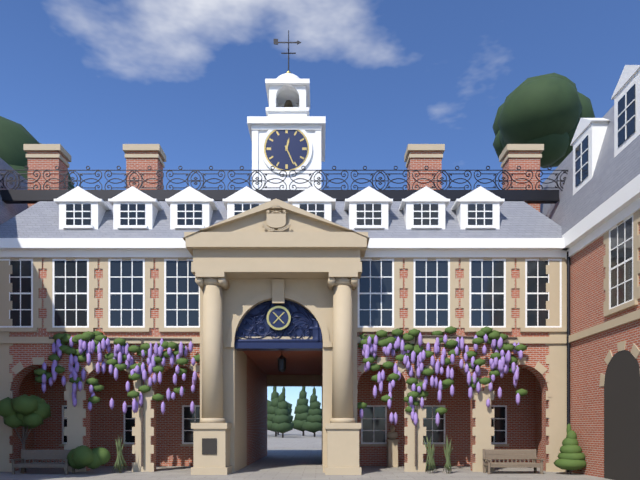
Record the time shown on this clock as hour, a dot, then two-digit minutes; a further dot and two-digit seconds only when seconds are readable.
12.26
